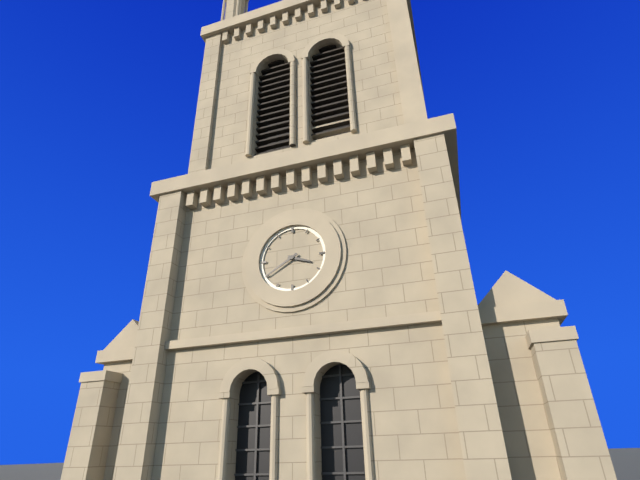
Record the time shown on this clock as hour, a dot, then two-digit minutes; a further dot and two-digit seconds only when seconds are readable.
3.40
